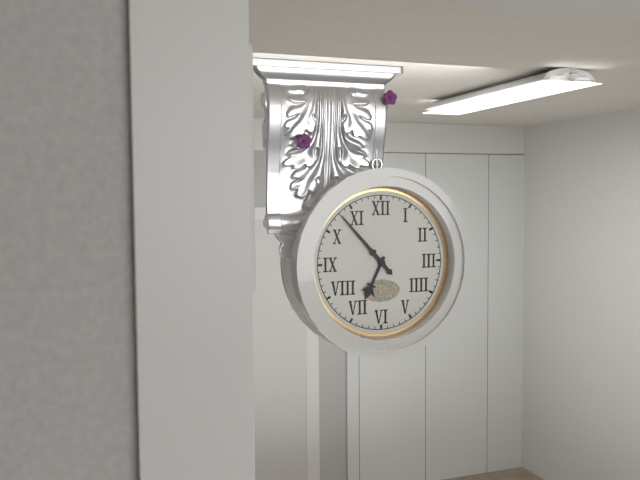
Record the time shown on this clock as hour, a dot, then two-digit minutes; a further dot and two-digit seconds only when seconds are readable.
6.53
